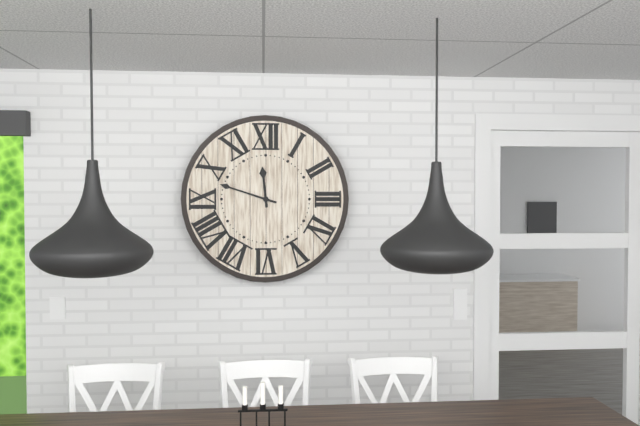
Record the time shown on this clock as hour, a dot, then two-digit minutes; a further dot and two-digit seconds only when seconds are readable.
11.48
